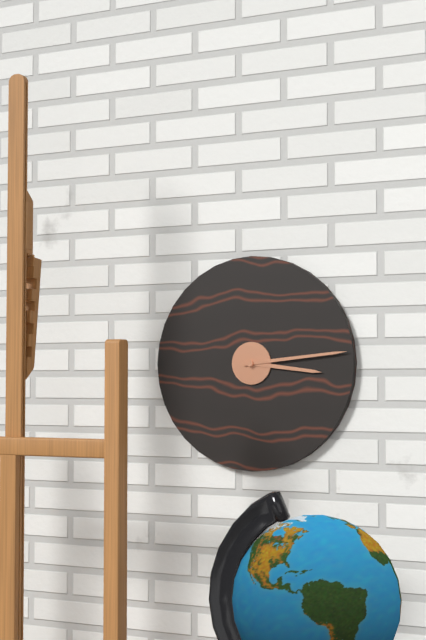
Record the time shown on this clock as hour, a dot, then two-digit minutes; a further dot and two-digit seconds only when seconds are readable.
3.14
